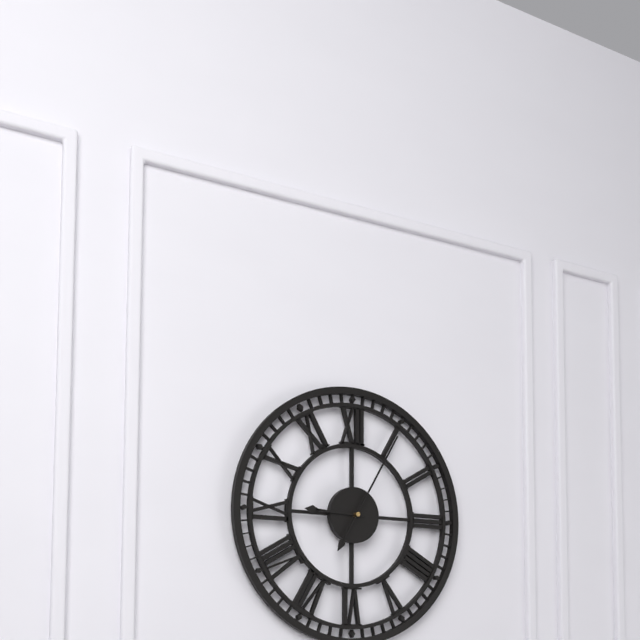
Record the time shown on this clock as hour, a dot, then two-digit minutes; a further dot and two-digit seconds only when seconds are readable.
9.05
